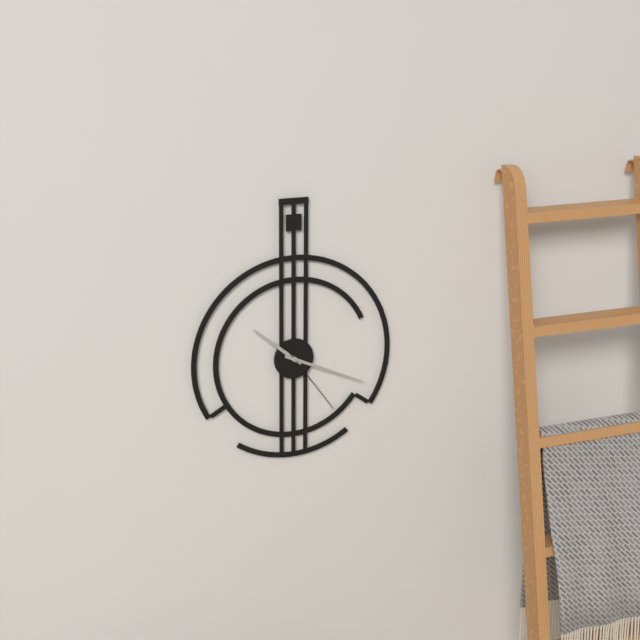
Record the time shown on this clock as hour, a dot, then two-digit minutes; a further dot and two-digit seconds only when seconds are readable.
10.19.24
